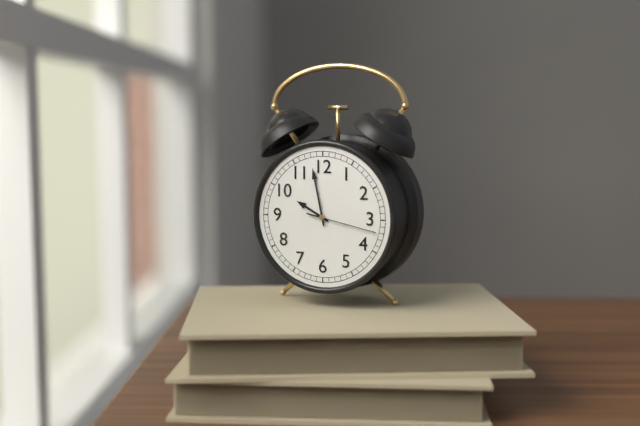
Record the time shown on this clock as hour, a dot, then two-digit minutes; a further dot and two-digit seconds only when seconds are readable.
9.58.17
